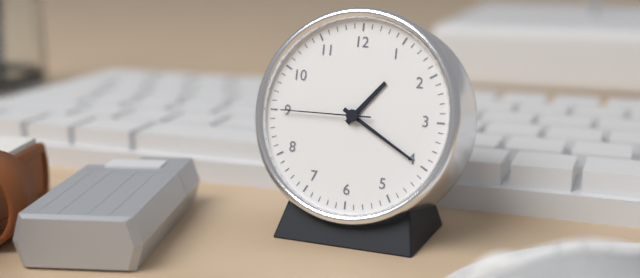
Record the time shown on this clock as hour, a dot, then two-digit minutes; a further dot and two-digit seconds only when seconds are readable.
1.20.45
